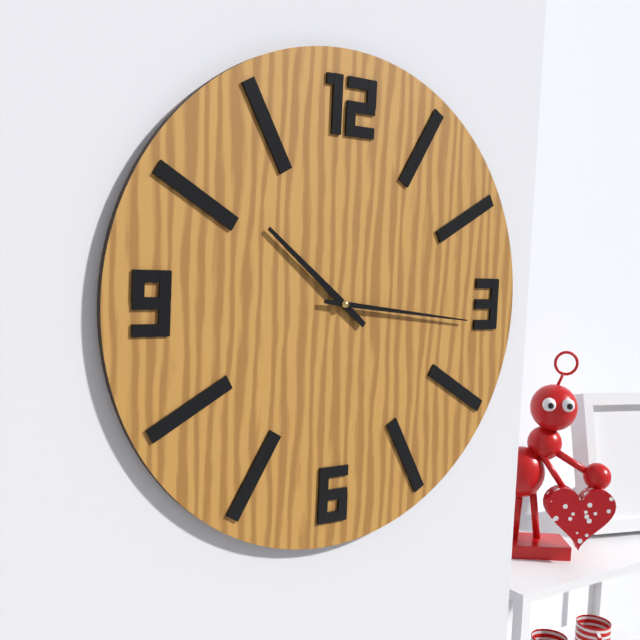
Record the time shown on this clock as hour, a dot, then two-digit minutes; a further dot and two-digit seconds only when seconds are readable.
10.16
